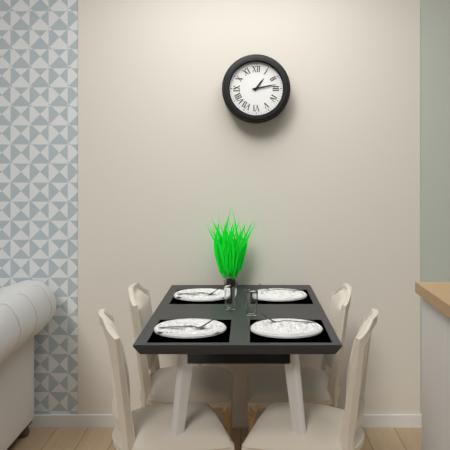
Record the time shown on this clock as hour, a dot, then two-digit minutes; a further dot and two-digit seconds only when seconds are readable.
1.13
